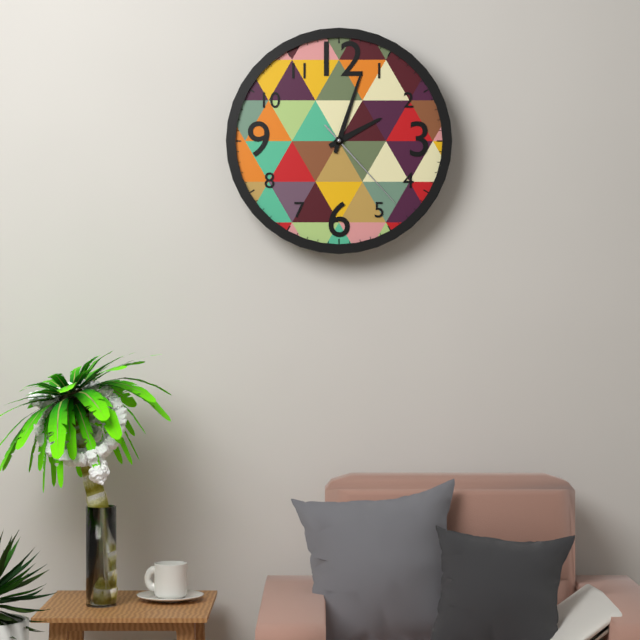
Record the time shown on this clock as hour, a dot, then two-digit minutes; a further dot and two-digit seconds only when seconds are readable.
2.03.23
